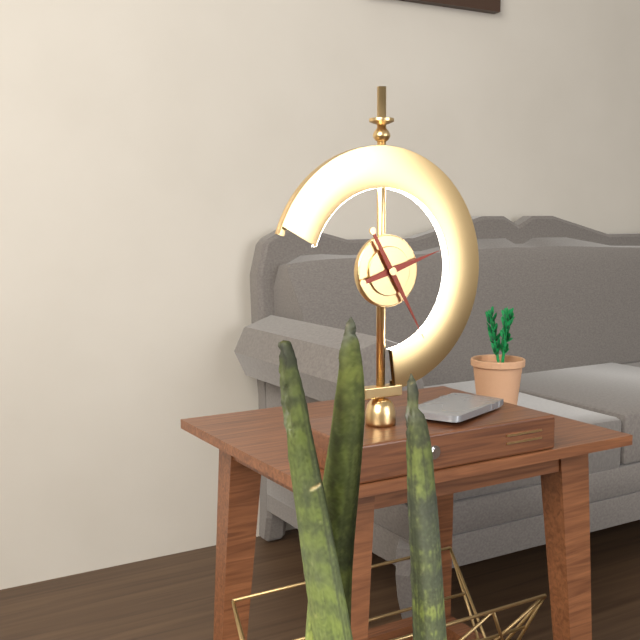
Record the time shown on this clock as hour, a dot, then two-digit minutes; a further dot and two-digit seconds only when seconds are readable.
2.25
